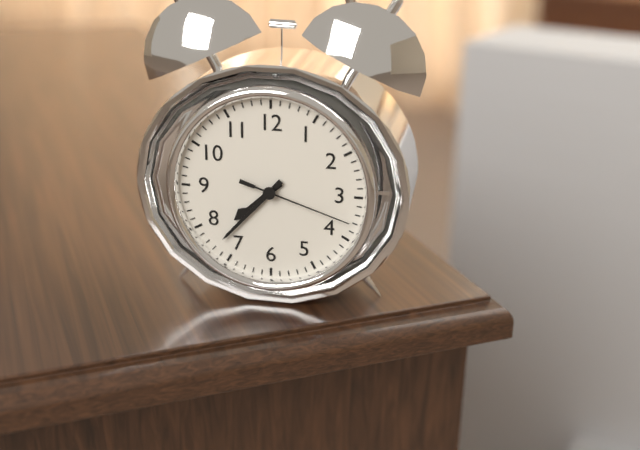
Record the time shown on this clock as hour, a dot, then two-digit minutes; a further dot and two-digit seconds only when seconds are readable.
7.37.18
